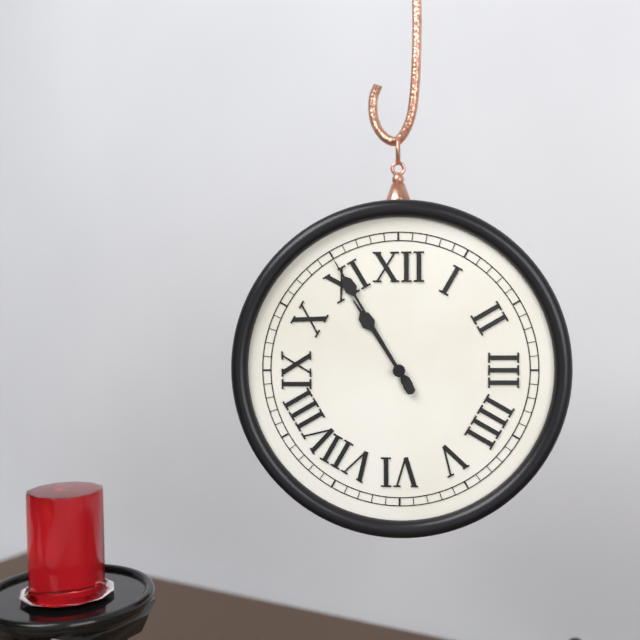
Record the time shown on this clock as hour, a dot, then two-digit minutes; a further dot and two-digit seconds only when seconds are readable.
10.55
